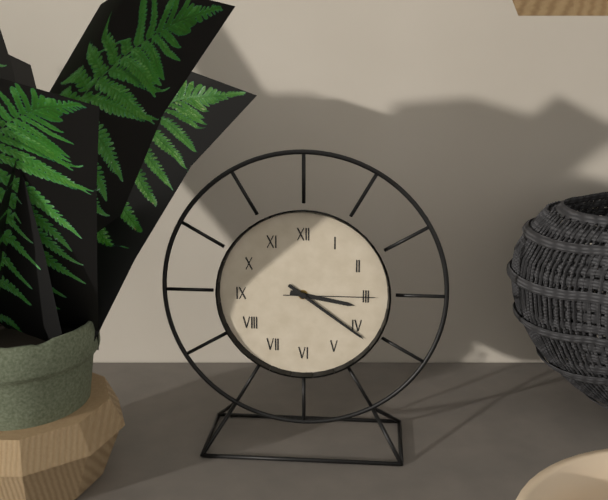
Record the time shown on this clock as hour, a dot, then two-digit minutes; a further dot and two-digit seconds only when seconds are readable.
3.21.15
